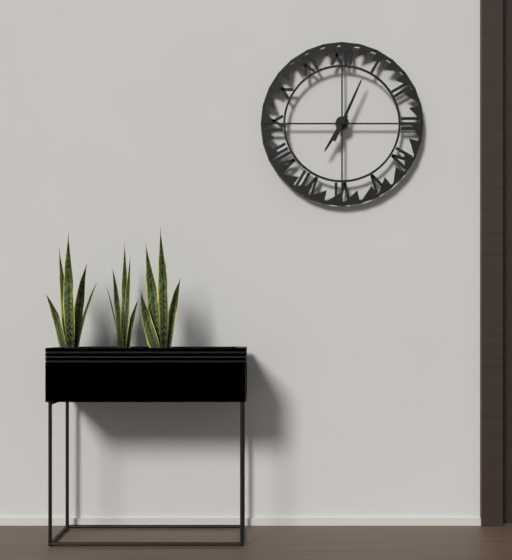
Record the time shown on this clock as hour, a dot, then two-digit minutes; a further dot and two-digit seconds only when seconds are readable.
7.04
